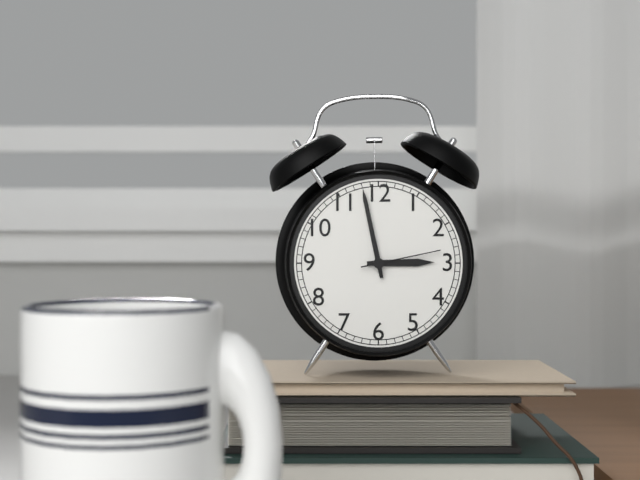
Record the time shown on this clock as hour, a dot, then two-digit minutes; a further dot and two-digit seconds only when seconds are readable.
2.58.13
